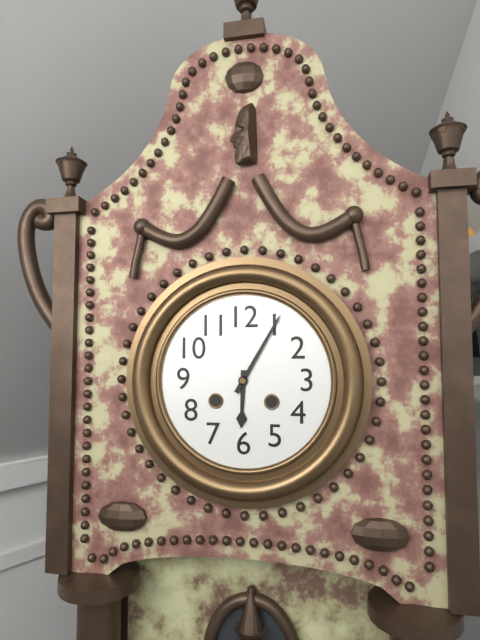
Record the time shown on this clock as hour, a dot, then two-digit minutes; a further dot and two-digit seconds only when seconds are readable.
6.05
